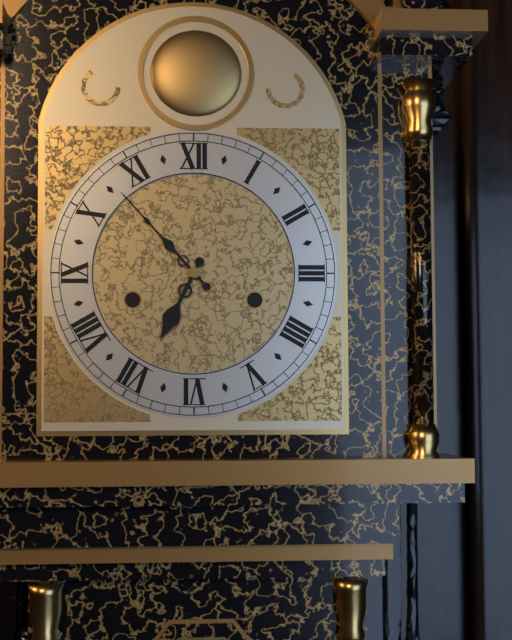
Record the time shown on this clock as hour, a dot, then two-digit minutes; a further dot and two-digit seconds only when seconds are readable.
6.53
